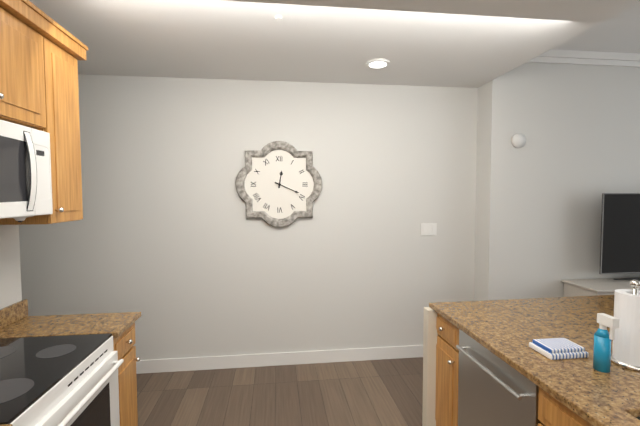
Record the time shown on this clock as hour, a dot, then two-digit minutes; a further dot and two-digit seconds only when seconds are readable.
12.19
